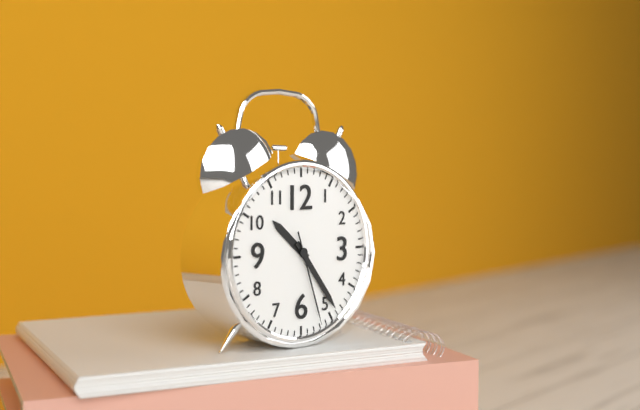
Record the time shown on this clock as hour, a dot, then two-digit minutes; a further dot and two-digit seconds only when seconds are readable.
10.24.27
